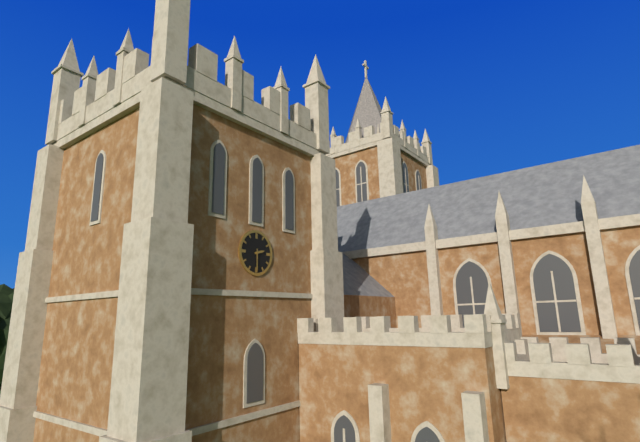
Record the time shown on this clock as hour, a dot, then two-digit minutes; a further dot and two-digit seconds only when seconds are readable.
2.30
